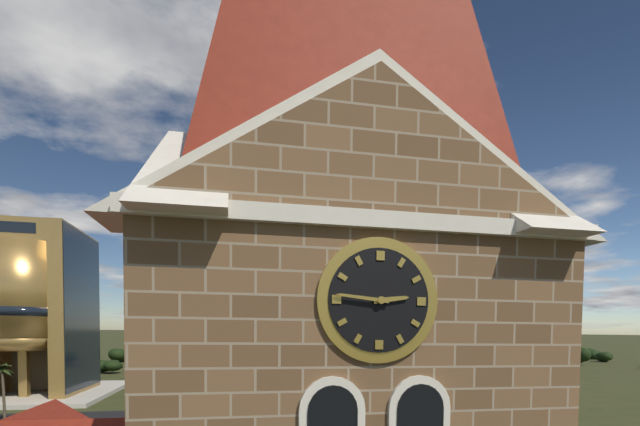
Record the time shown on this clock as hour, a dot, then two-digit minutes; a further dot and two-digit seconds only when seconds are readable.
2.46
